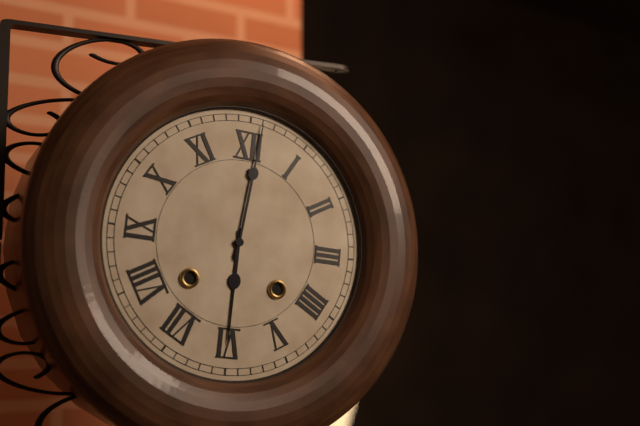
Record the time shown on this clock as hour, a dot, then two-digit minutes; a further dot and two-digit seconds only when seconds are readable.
6.01
